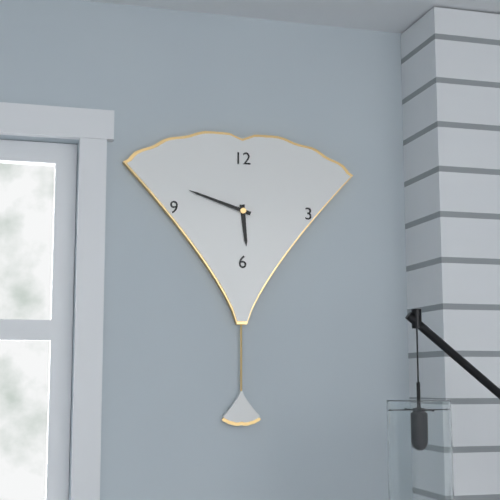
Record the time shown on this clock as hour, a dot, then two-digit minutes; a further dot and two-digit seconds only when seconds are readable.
5.48
